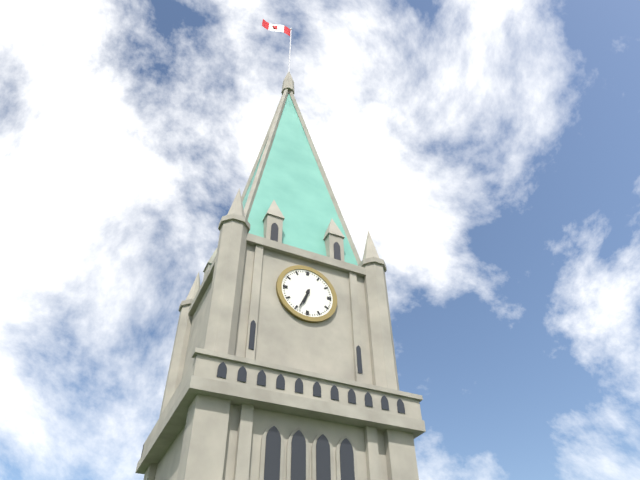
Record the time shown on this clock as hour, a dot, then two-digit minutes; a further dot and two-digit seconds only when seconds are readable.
6.34
